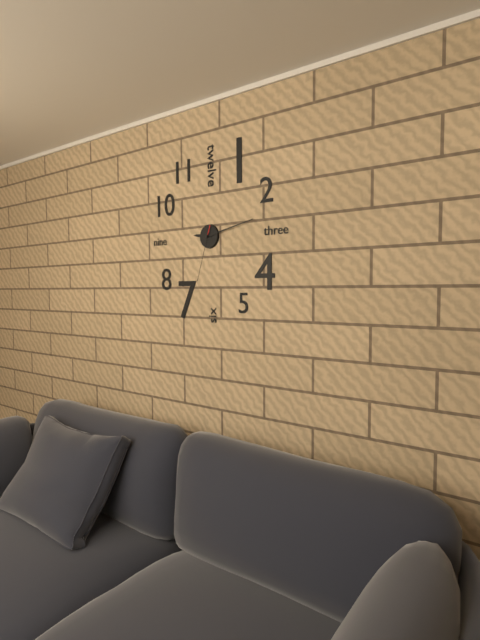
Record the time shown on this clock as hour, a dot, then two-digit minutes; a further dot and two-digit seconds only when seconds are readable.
9.13.33
